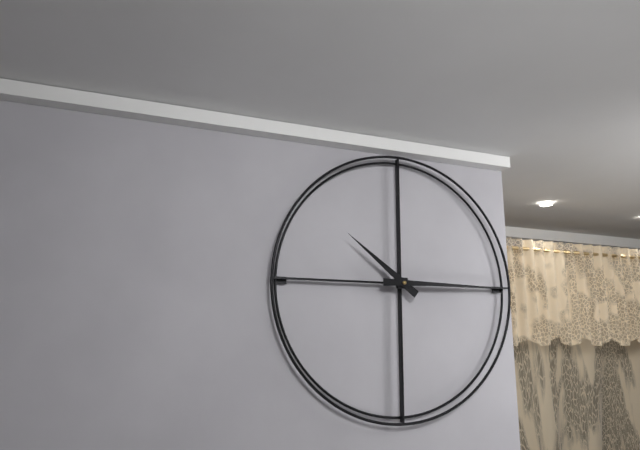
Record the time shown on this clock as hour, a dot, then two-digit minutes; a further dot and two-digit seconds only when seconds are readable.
10.15
